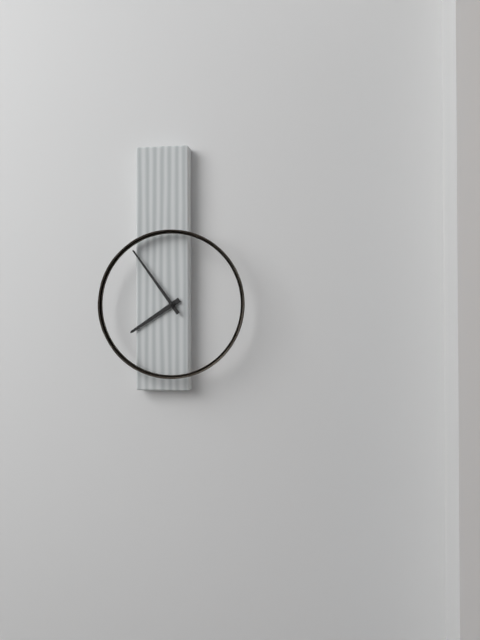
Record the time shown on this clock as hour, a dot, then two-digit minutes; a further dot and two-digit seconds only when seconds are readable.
7.54
